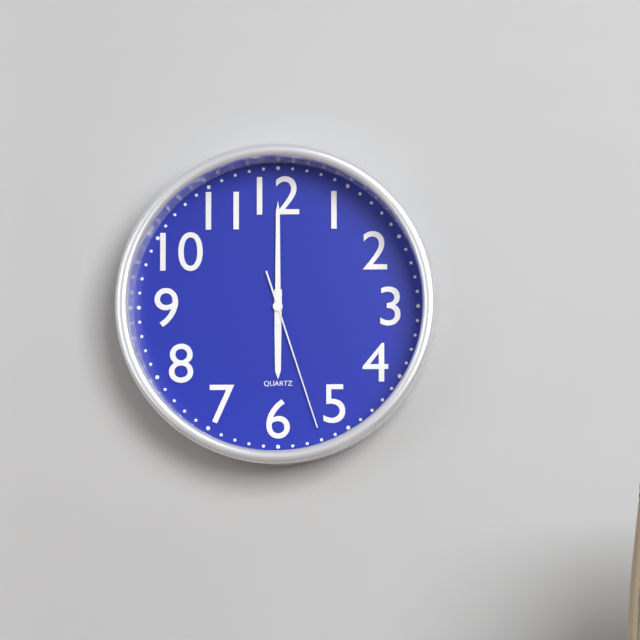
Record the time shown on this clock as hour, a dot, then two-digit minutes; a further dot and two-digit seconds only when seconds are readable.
6.00.27
